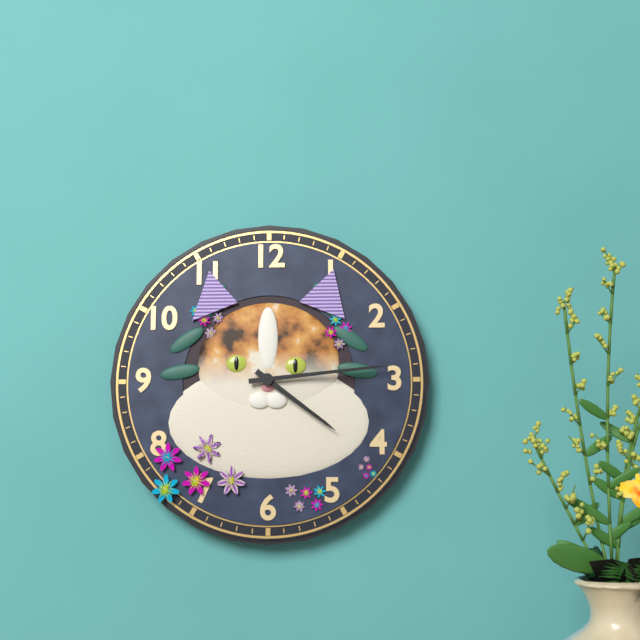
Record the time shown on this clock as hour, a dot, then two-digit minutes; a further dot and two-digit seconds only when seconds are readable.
4.14
